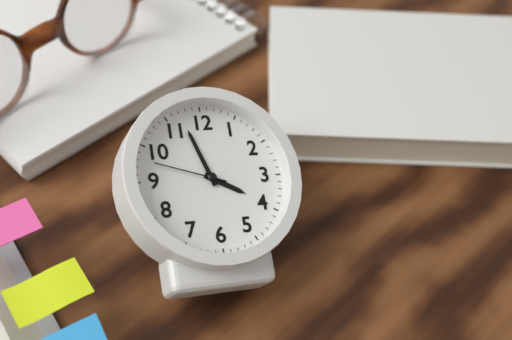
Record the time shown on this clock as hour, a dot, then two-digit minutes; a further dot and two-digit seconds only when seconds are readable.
3.57.48
